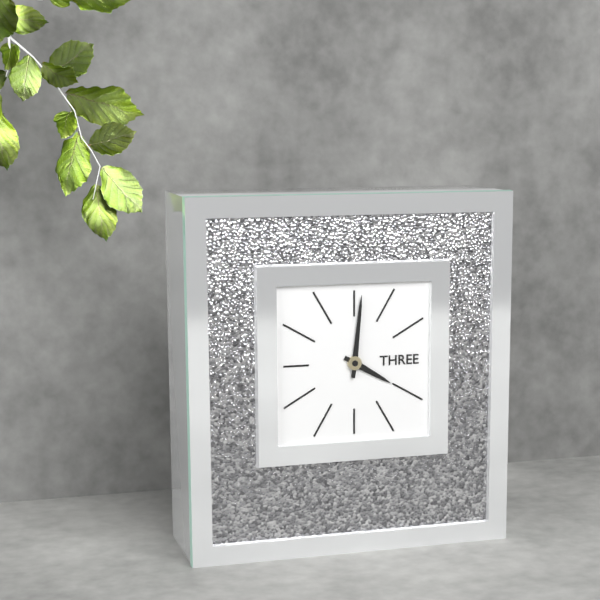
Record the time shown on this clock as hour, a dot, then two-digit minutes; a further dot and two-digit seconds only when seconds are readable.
4.01
